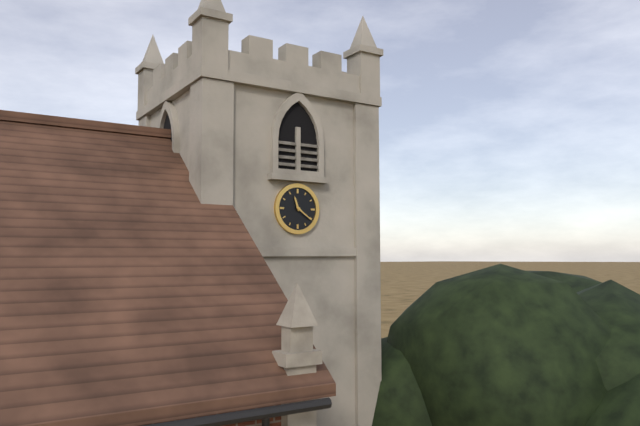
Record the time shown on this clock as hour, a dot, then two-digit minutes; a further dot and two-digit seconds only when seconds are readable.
11.21
